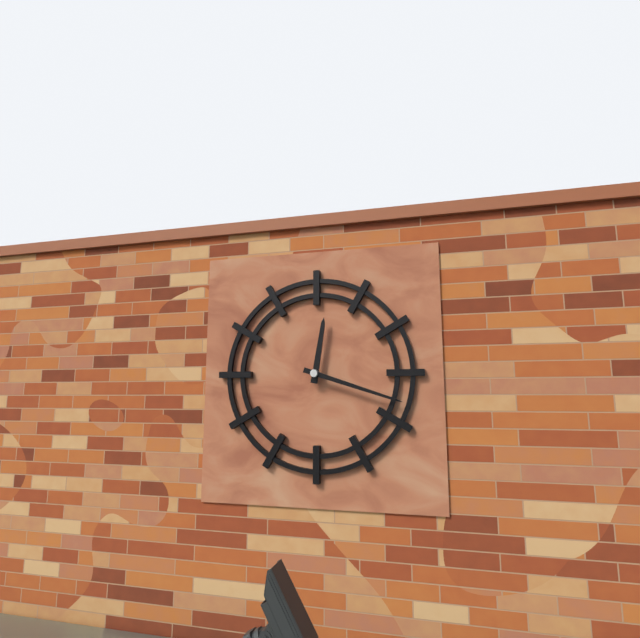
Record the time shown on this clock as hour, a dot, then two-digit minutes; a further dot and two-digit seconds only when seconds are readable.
12.18
